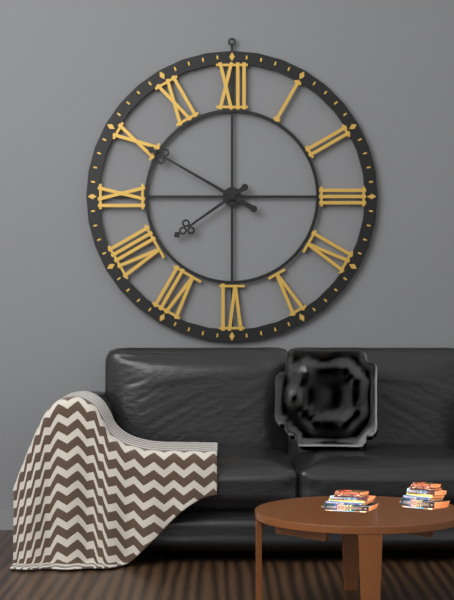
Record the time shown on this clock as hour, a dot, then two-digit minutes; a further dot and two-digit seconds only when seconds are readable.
7.50
